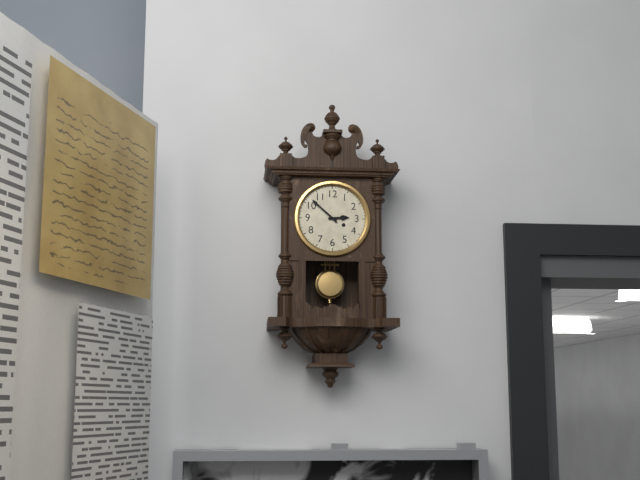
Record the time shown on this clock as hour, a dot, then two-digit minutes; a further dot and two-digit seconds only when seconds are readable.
2.52
